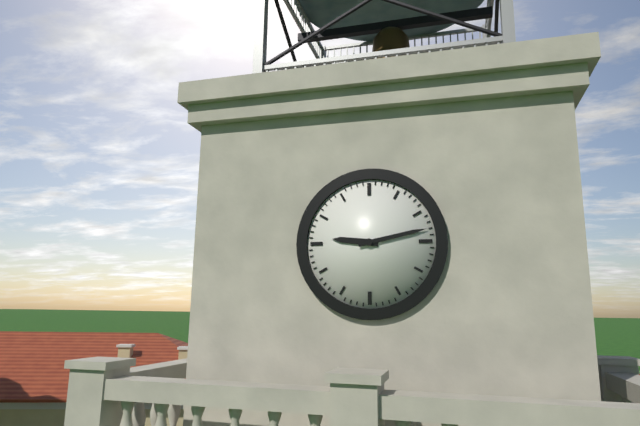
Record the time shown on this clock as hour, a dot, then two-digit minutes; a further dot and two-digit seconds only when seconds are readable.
9.13
